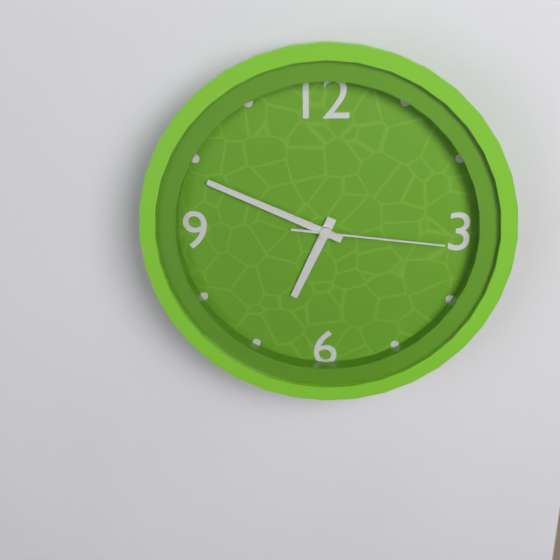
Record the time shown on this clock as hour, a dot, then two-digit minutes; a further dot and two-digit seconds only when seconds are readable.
6.49.16
